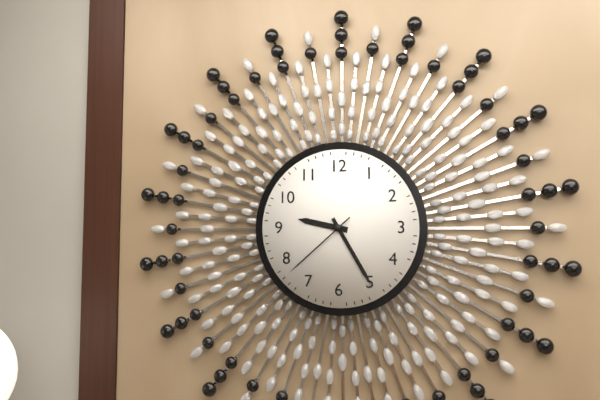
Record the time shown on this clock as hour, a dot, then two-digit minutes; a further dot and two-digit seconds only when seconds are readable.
9.25.38
